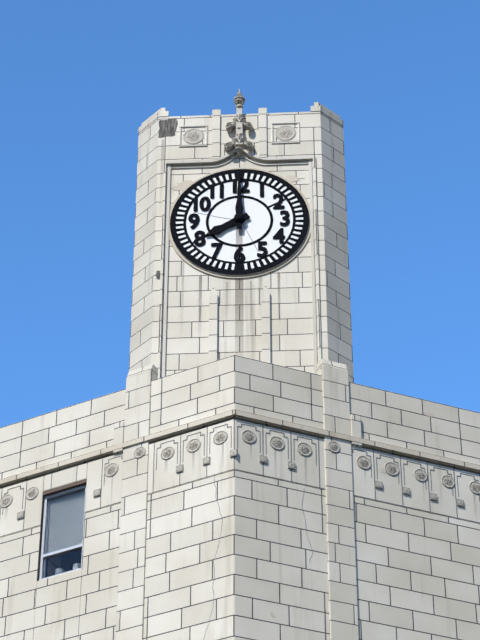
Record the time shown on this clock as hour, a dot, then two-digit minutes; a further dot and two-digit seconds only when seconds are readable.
8.00
